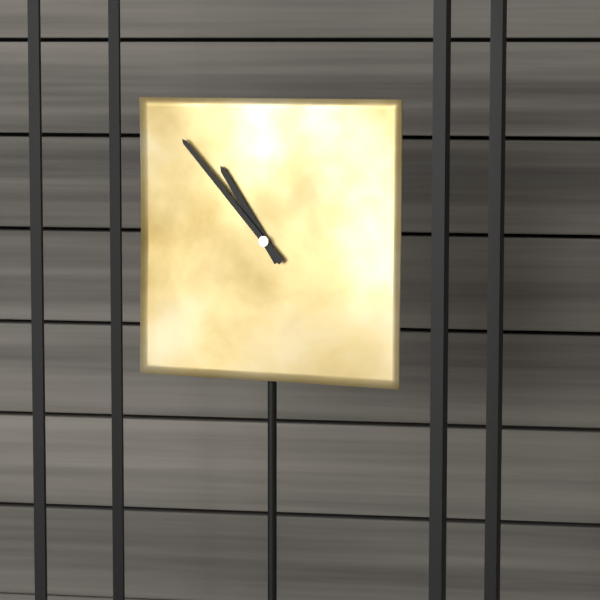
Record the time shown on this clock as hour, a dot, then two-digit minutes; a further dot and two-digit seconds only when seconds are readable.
10.53
